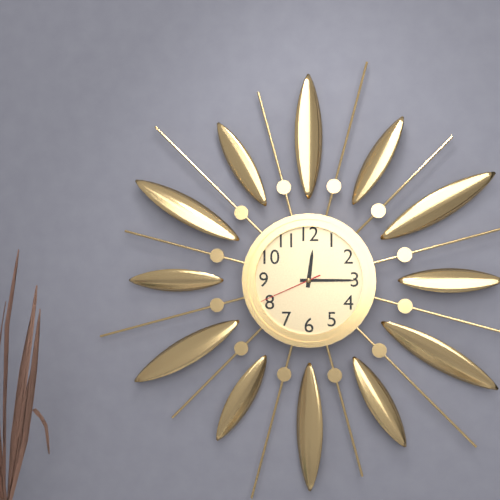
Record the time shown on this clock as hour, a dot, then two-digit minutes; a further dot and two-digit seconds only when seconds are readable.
12.15.41
